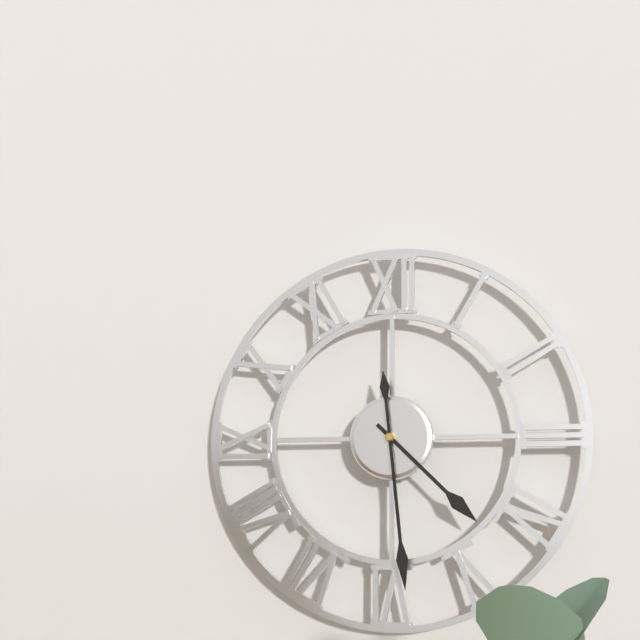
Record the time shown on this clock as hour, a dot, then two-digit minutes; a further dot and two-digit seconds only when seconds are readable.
4.29
